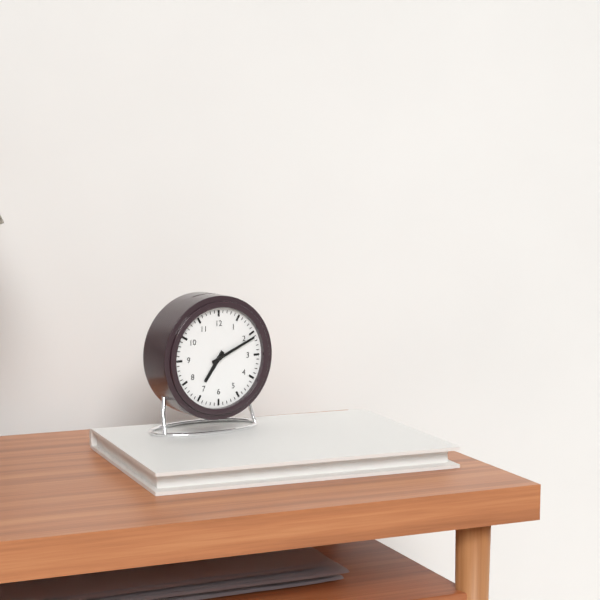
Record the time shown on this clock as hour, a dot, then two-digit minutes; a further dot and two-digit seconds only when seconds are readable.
7.11
